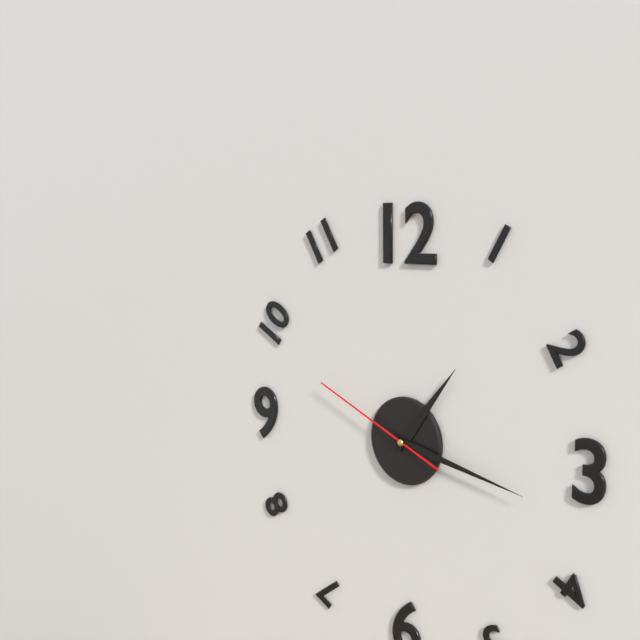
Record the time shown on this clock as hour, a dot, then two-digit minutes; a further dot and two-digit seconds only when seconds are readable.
1.17.49
